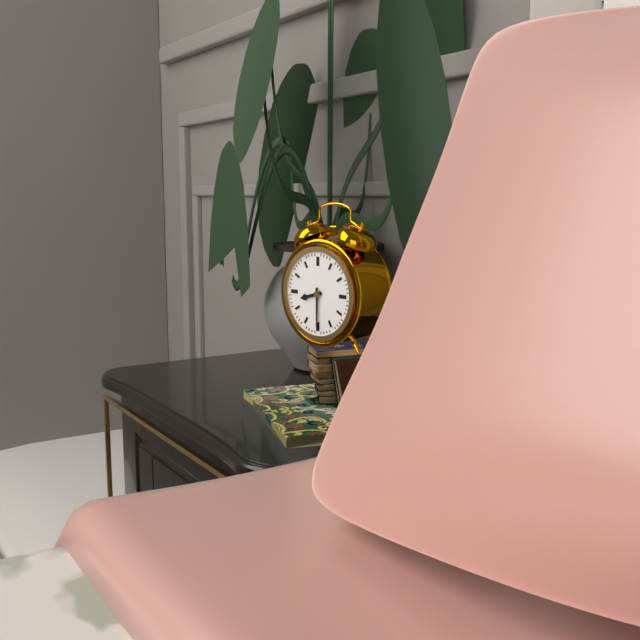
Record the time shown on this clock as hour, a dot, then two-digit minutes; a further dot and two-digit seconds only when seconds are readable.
8.30
